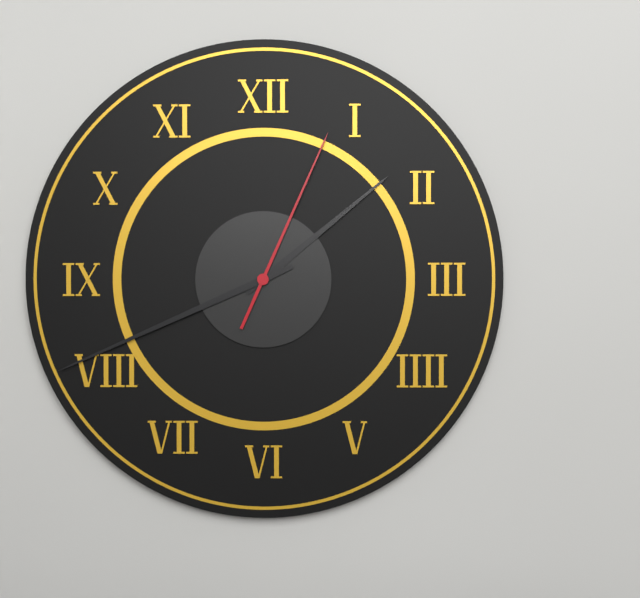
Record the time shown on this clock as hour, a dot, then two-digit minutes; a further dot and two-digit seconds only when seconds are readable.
1.41.04
